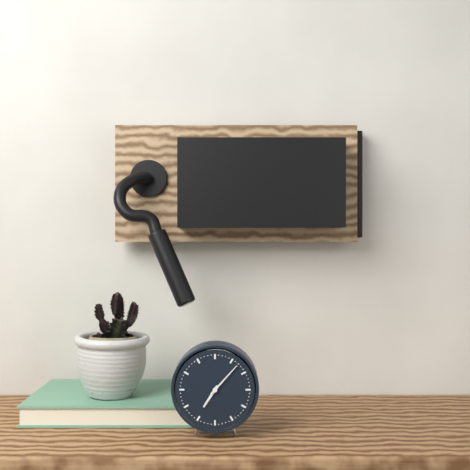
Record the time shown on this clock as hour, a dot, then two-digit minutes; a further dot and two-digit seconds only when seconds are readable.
7.07
